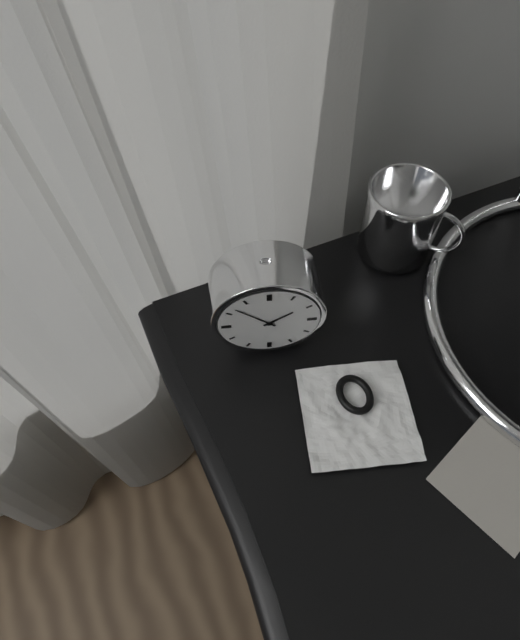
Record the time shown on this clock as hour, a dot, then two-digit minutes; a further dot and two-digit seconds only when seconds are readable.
1.52
